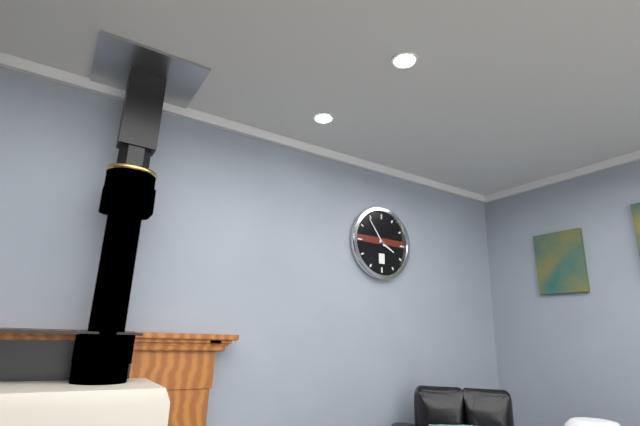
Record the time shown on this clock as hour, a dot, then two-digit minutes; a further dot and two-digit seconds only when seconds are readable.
3.54
